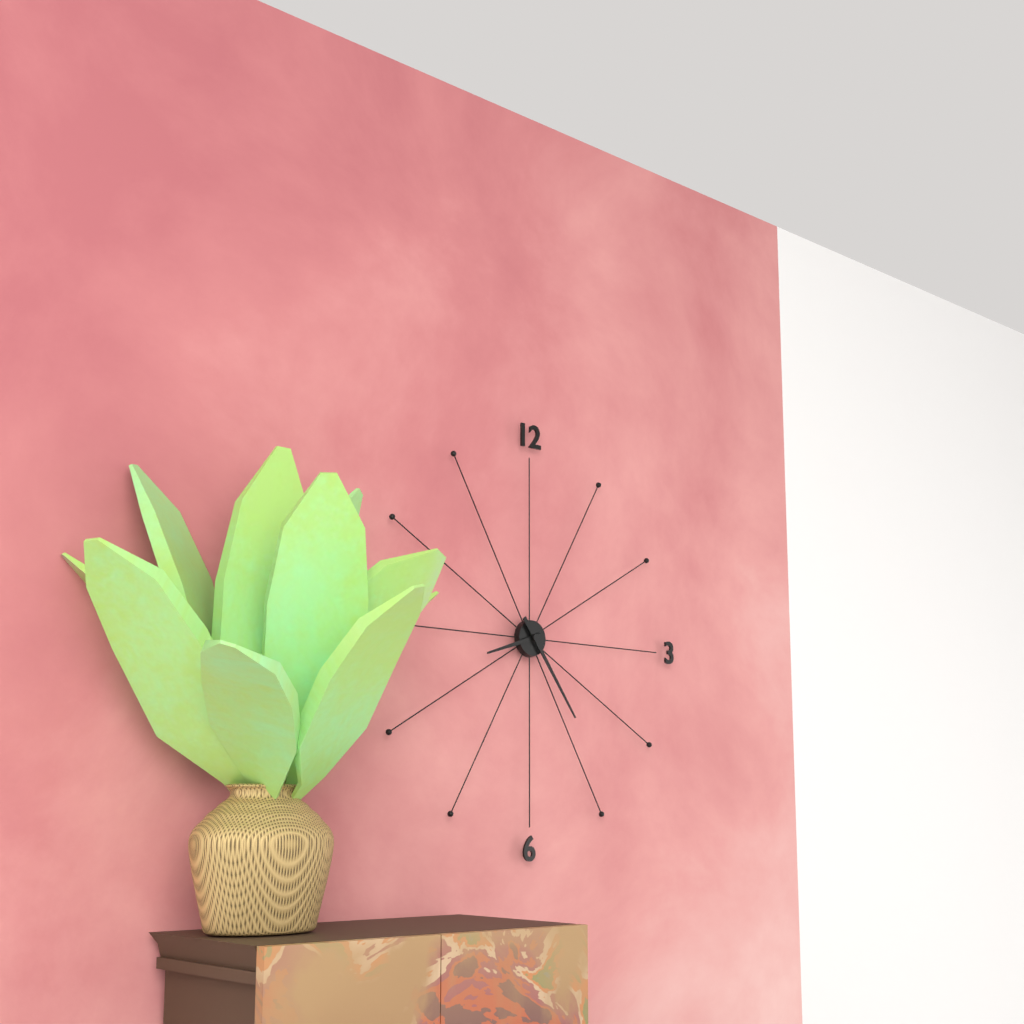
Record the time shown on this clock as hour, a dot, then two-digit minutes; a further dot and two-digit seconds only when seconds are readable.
8.24
